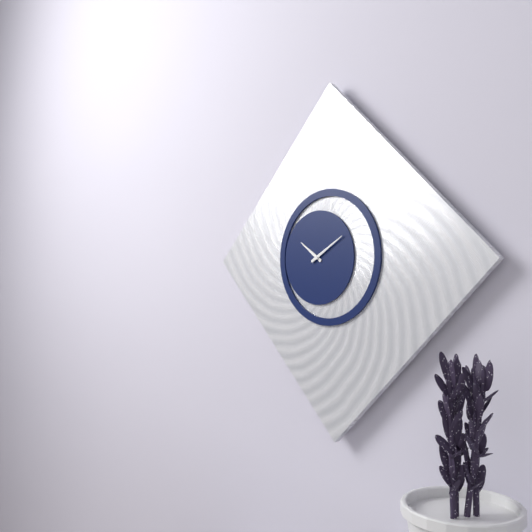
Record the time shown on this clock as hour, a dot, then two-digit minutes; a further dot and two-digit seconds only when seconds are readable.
10.10
